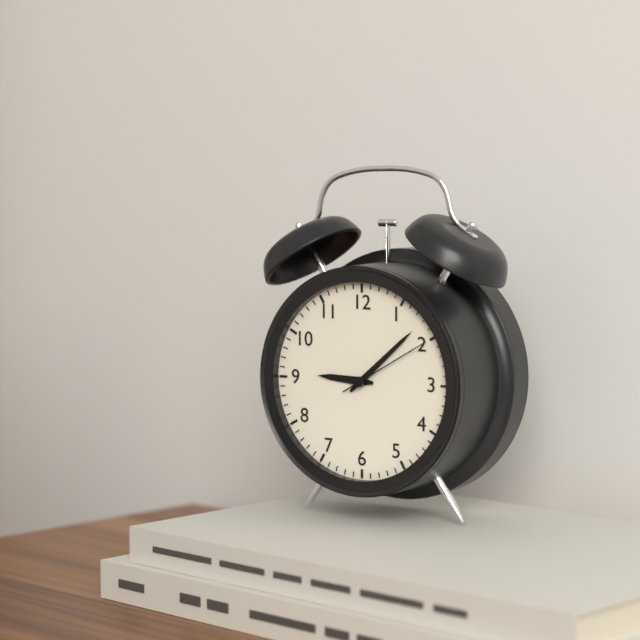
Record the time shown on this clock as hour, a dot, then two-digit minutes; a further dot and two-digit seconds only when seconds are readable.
9.08.10
